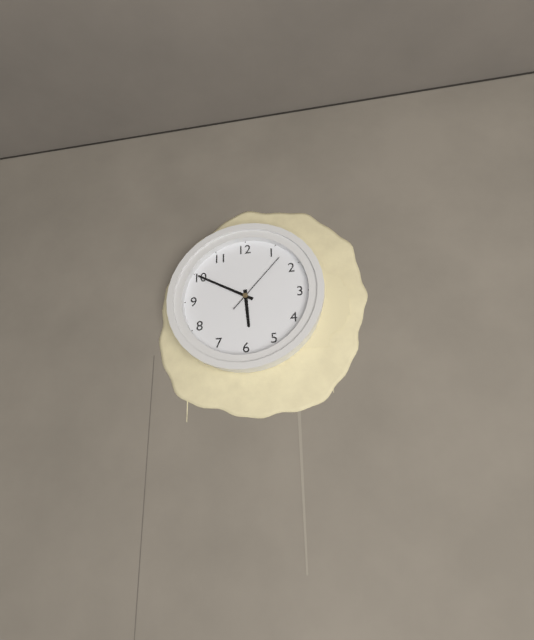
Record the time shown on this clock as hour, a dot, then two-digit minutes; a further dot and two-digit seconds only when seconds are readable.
5.50.07
